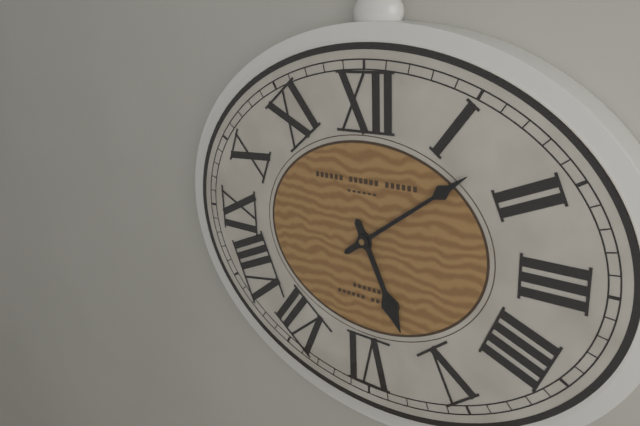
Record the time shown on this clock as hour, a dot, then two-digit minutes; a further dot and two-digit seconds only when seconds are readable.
5.09
